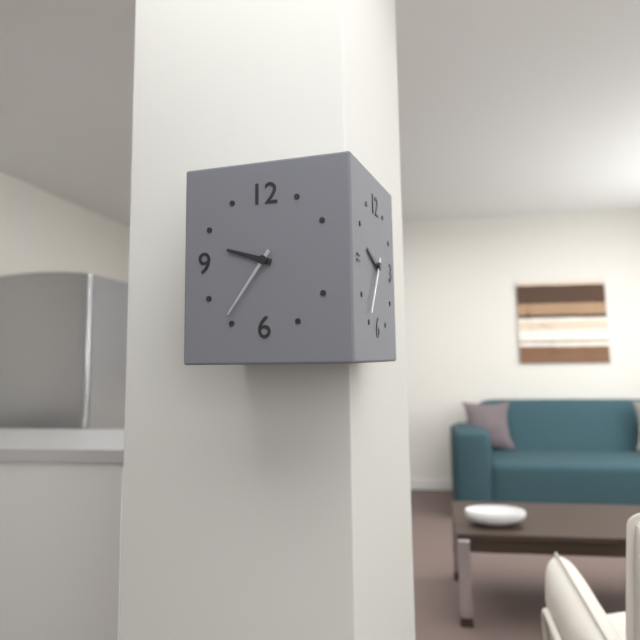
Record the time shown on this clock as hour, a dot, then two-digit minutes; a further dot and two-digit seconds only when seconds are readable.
9.36
